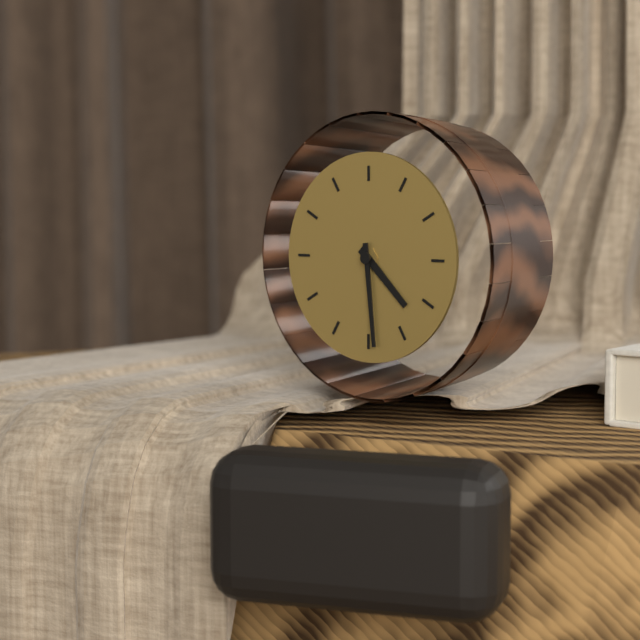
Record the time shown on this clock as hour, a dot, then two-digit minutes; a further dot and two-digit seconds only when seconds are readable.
4.29
